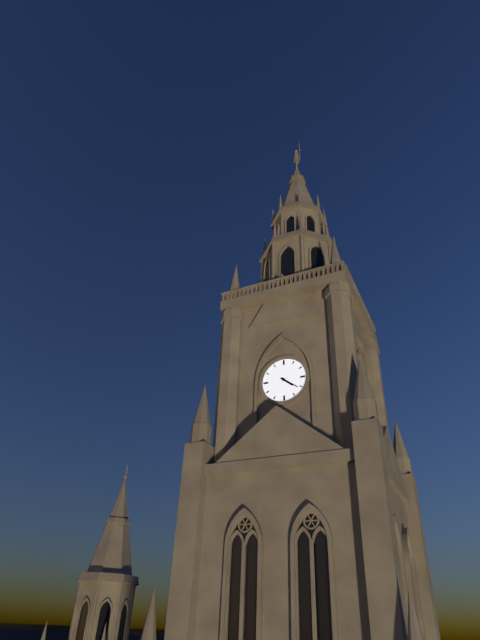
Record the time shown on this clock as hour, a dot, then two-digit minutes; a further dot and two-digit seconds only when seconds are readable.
4.21
